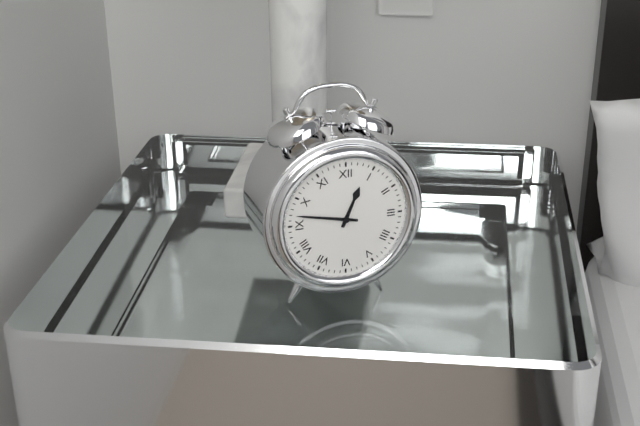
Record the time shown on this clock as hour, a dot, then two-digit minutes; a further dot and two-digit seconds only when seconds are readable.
12.47
